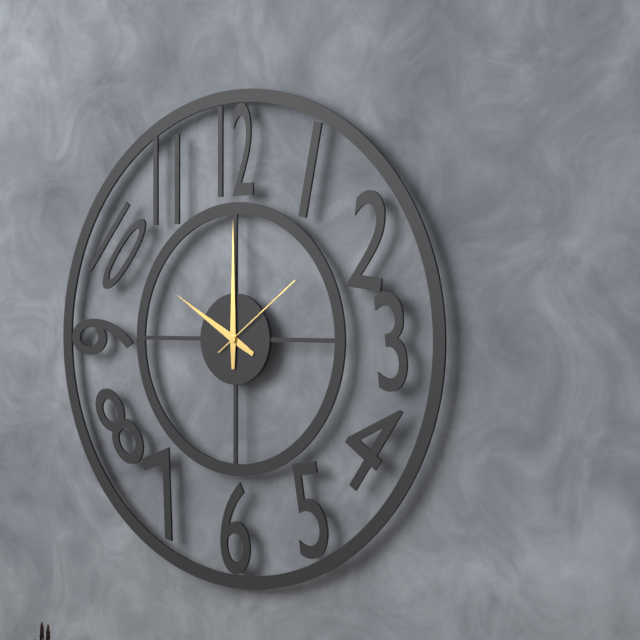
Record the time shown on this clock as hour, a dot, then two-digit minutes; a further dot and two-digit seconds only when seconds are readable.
10.00.09
